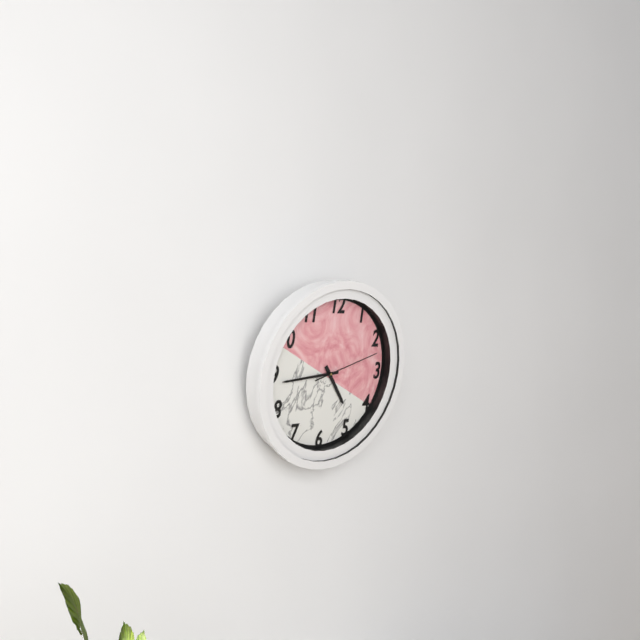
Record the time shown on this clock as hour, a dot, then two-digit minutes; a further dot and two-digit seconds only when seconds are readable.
4.44.12
